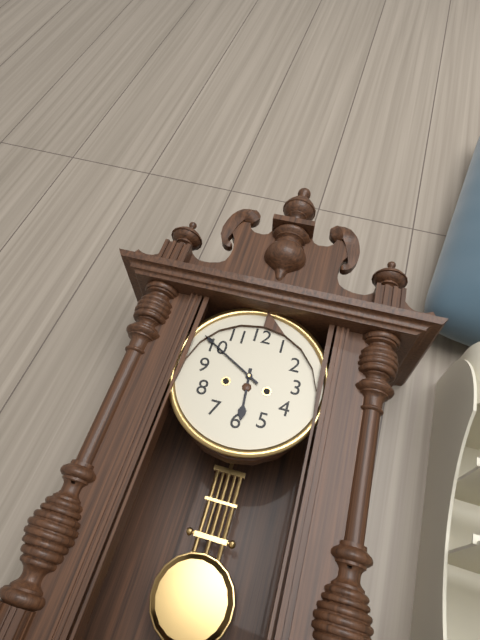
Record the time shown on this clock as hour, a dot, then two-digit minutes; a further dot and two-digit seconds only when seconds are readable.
5.50
